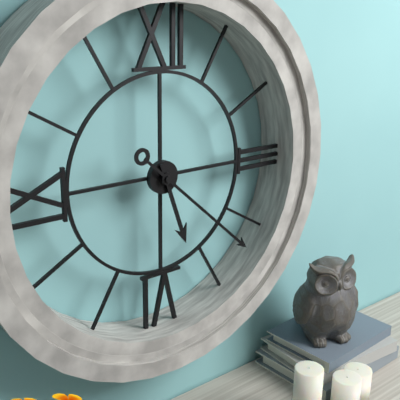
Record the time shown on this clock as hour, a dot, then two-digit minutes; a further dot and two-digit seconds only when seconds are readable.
5.22
